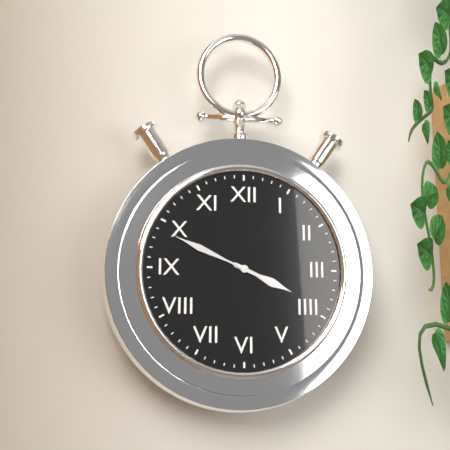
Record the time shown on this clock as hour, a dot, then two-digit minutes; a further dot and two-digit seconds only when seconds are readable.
3.49
